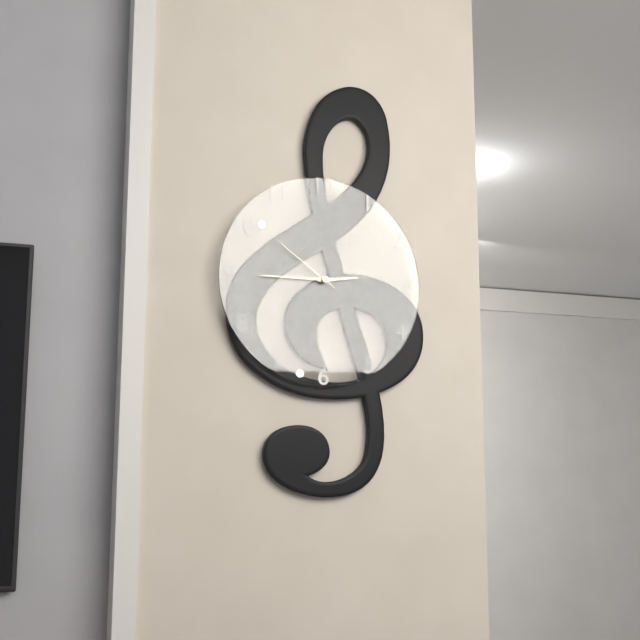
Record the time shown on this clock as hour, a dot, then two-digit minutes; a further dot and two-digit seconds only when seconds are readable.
2.45.51
